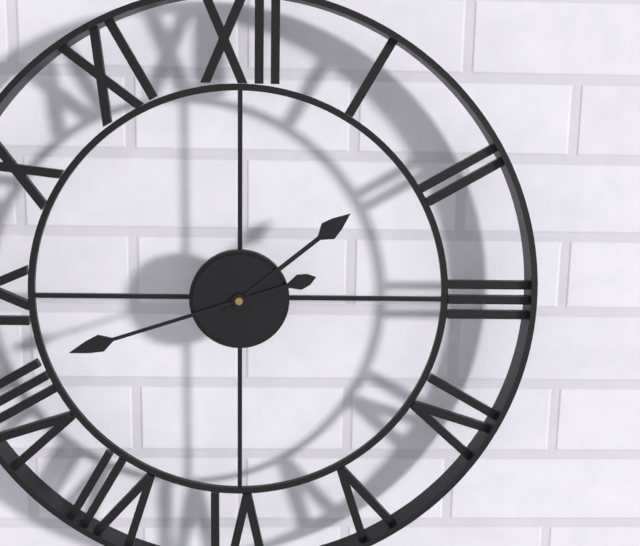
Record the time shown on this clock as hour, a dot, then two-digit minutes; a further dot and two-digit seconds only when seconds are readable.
1.42
